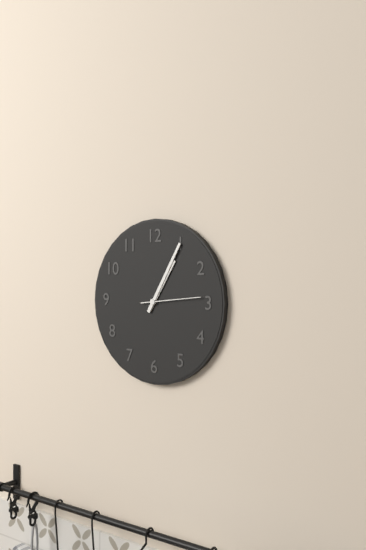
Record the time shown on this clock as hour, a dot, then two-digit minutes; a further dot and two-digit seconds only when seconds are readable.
1.05.14
